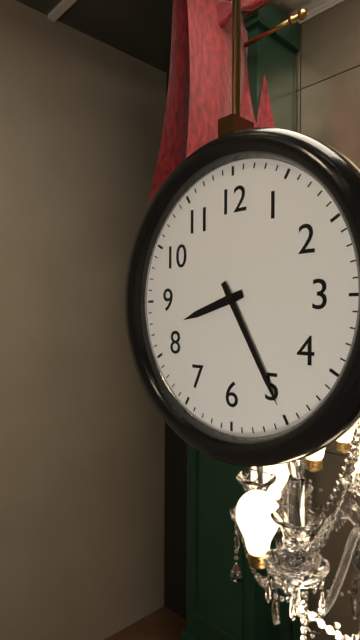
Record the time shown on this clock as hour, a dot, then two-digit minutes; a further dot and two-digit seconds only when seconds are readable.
8.25
